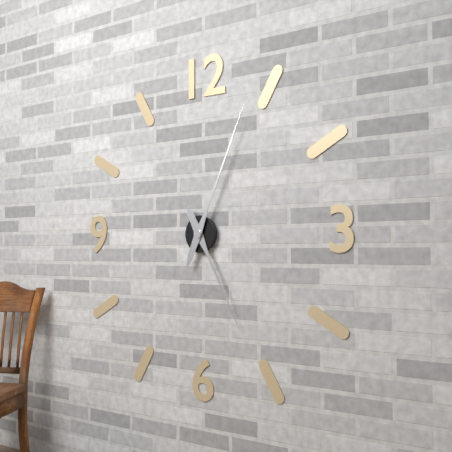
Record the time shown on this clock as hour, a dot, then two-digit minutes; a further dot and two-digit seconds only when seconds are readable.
5.04
